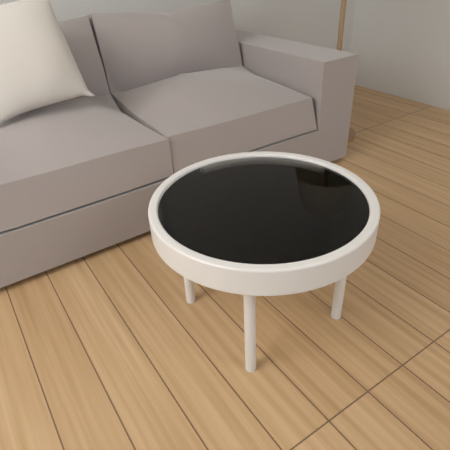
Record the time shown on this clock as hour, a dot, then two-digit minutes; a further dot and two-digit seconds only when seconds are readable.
3.02
